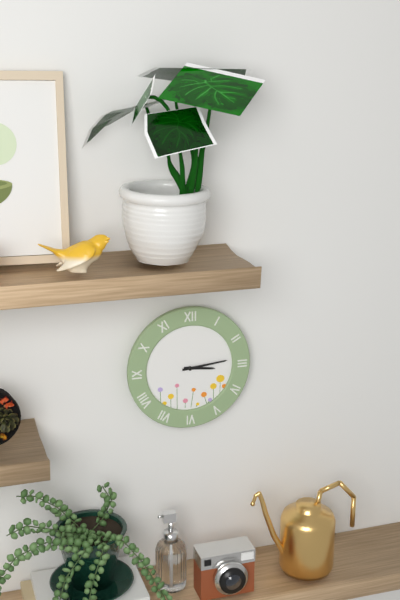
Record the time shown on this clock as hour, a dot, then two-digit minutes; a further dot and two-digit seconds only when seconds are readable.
3.14
